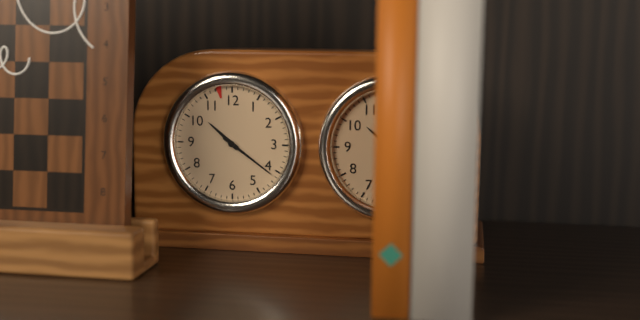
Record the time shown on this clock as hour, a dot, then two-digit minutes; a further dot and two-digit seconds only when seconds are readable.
10.21
